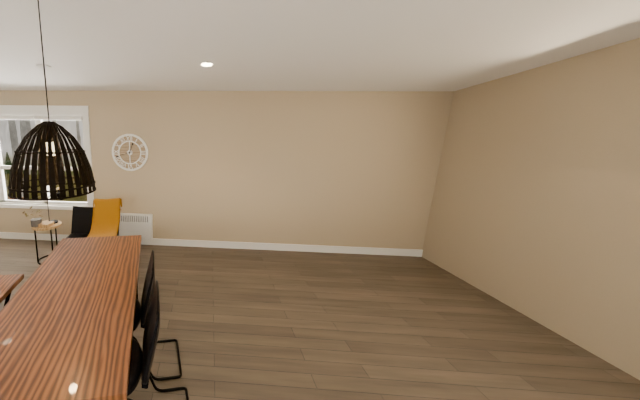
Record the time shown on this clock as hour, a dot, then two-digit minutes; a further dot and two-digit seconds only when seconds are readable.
12.42
